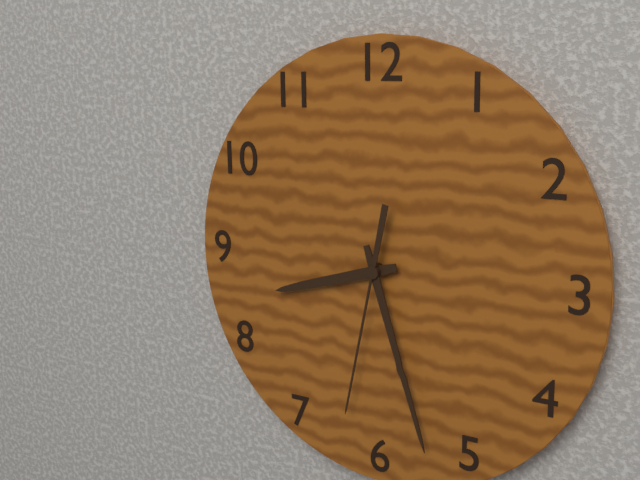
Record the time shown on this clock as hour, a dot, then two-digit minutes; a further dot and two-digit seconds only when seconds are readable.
8.27.32
